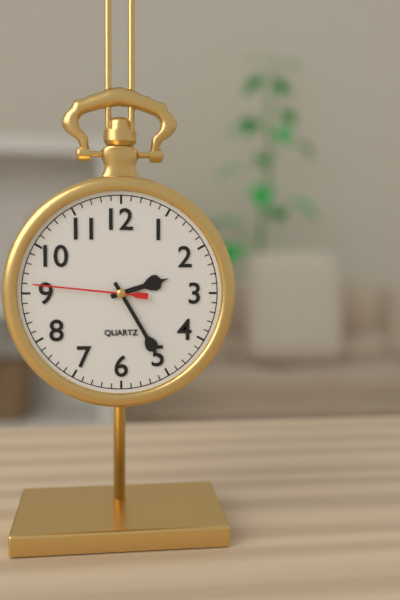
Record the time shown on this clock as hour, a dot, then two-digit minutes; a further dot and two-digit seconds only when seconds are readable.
2.25.46
